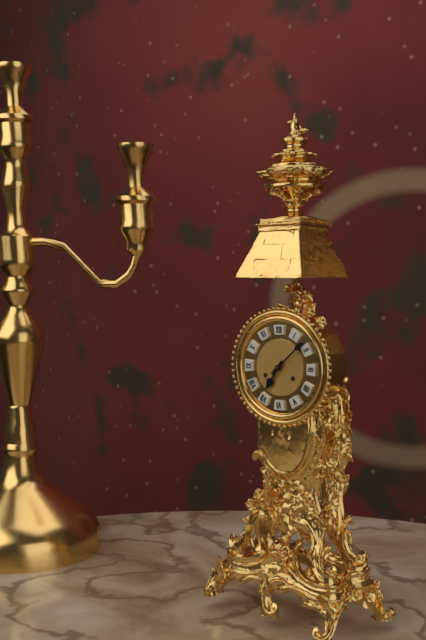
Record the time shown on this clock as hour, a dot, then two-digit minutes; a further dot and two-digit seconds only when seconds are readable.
7.08
